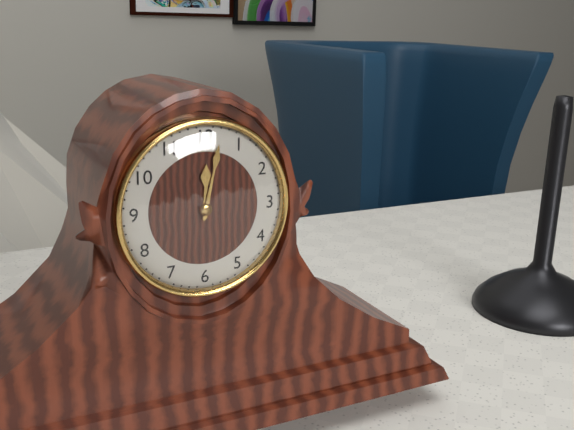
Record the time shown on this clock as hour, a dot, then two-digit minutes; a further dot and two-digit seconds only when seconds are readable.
12.02
